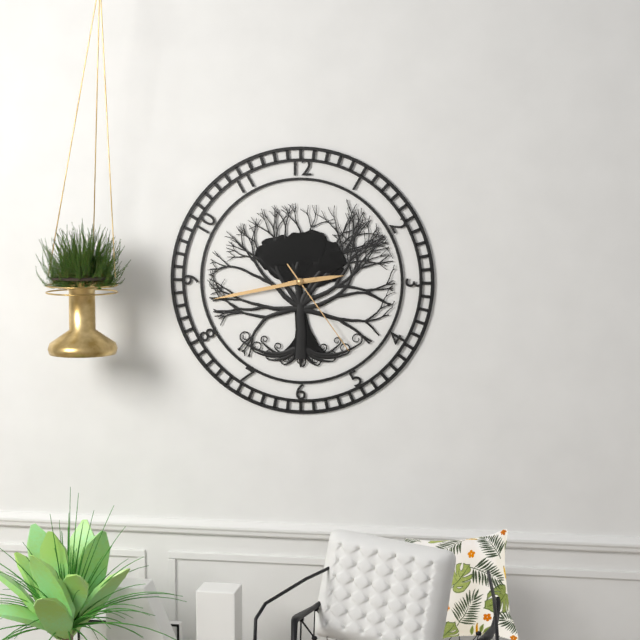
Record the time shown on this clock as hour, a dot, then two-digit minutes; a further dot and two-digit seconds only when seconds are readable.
2.43.24
